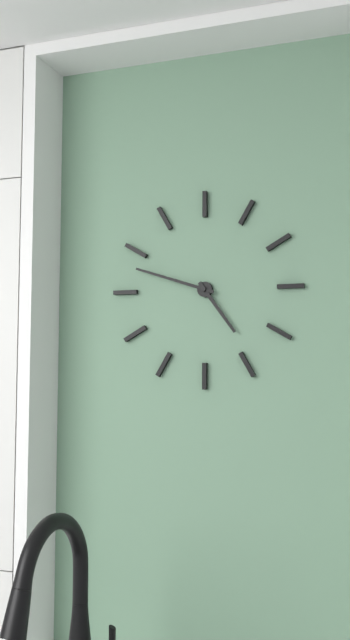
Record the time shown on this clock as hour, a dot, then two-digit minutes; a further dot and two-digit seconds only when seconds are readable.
4.48
